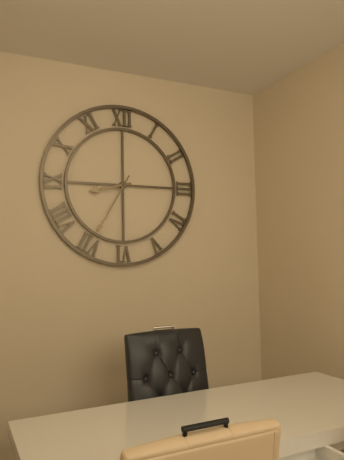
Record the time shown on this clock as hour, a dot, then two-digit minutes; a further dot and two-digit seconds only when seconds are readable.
8.35
